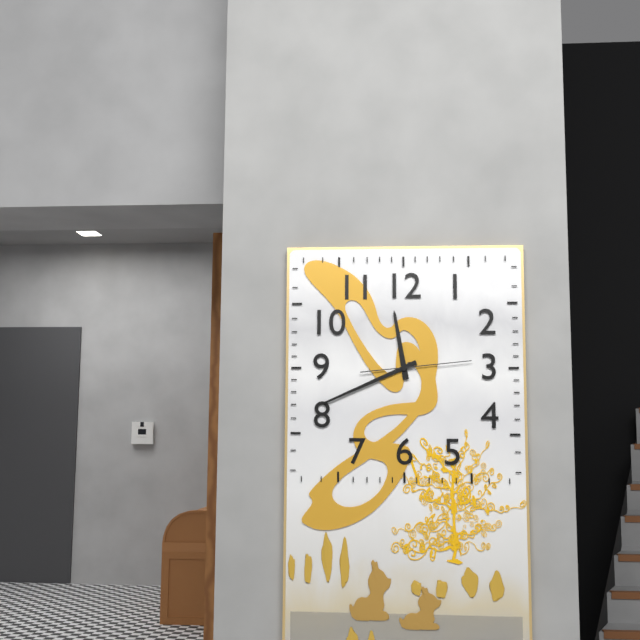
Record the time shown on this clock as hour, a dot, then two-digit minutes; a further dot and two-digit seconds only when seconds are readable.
11.41.14
